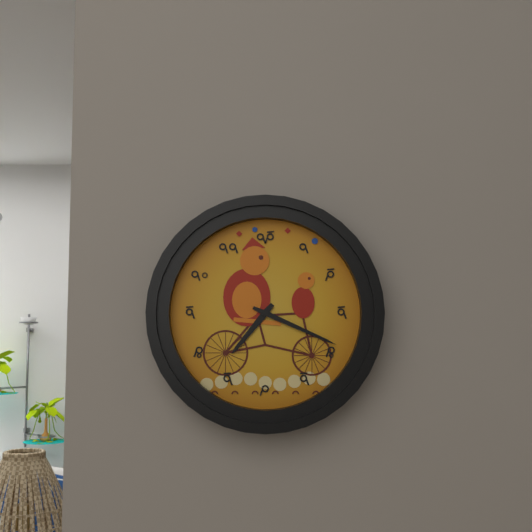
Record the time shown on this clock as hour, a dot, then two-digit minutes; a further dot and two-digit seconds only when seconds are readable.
7.19
